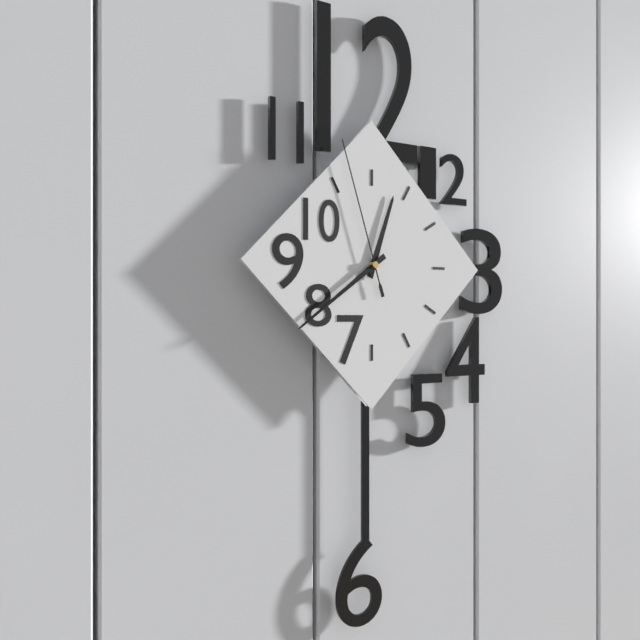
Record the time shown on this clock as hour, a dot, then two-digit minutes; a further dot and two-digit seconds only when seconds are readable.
12.39.57
